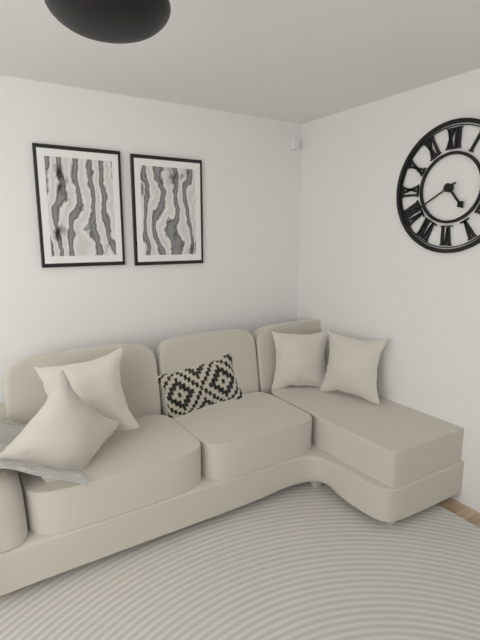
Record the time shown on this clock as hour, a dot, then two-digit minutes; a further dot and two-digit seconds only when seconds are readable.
4.40
